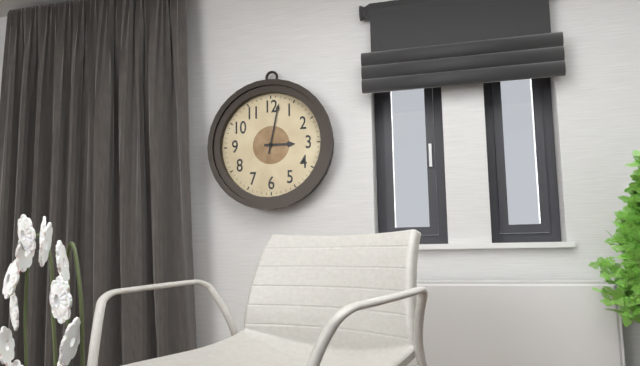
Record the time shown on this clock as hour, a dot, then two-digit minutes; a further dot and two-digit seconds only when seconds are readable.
3.02
